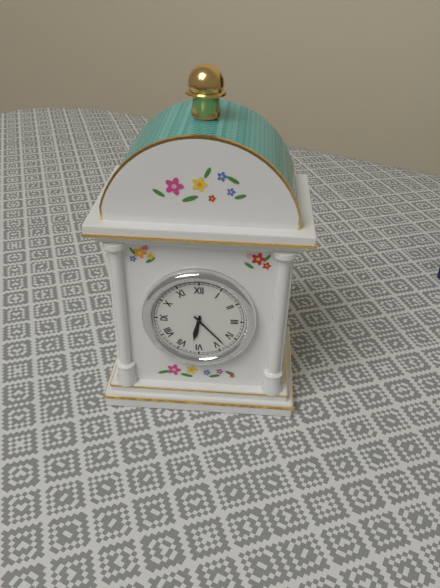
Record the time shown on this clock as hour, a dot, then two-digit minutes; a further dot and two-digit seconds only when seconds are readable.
6.23
